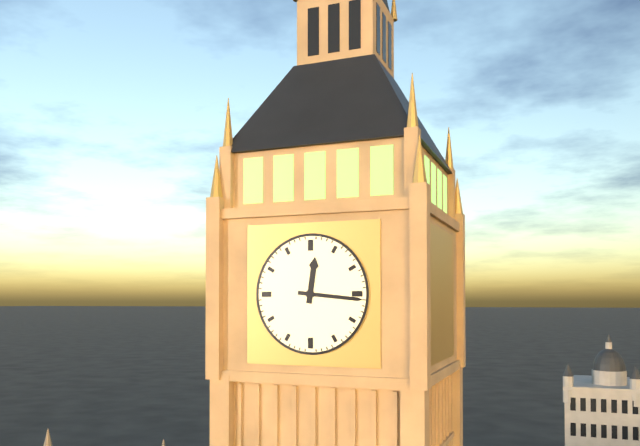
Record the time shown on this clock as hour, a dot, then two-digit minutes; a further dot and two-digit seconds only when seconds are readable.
12.16
